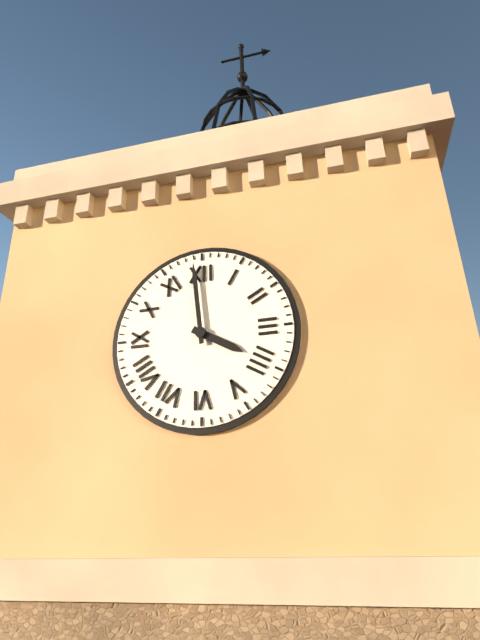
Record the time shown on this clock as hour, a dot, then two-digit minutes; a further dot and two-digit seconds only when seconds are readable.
3.59
